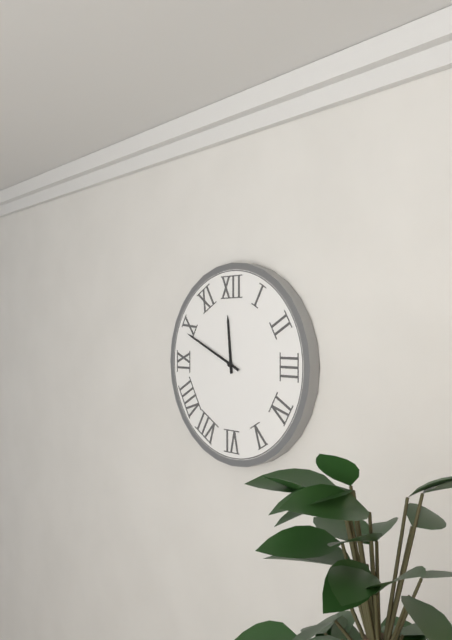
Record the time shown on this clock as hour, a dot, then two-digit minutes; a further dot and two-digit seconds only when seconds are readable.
11.49
